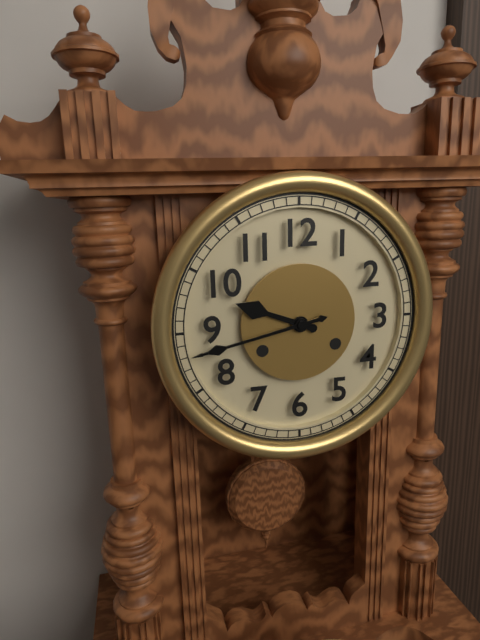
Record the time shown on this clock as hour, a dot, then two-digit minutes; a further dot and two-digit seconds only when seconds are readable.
9.43
